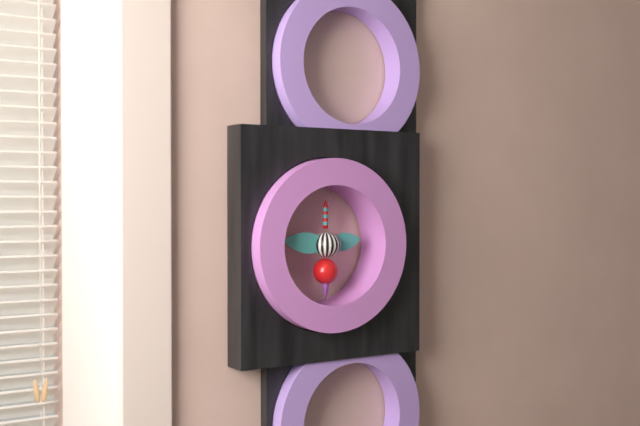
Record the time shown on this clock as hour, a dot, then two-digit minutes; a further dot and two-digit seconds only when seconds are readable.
2.46
